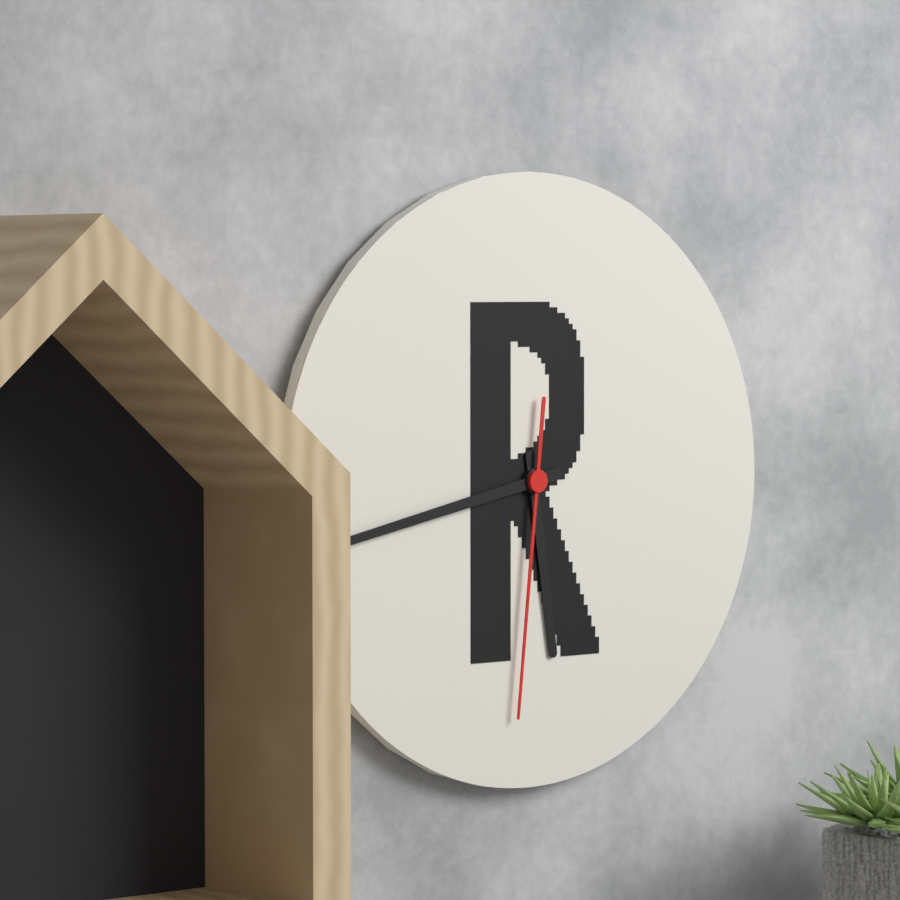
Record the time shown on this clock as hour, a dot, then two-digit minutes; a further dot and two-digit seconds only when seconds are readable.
5.43.31
